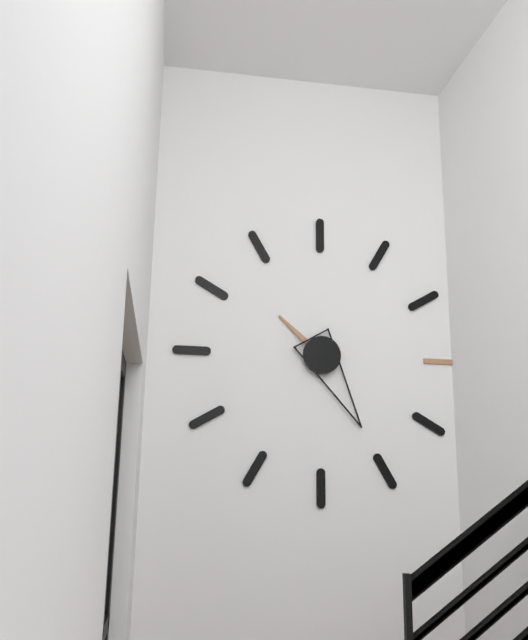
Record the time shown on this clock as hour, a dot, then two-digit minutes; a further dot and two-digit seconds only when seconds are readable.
10.25
